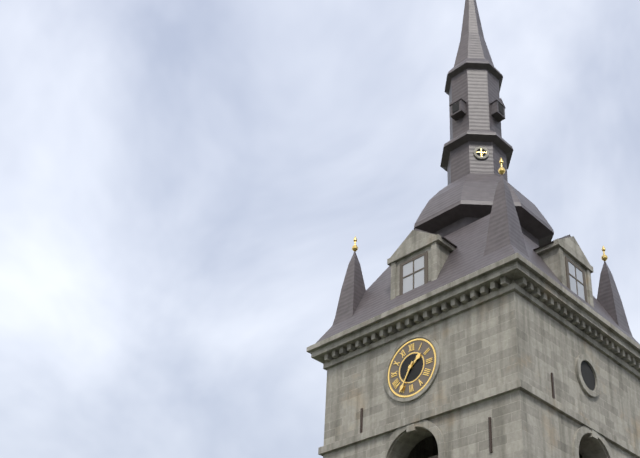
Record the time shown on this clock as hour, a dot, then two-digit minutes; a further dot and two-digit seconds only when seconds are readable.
1.35
